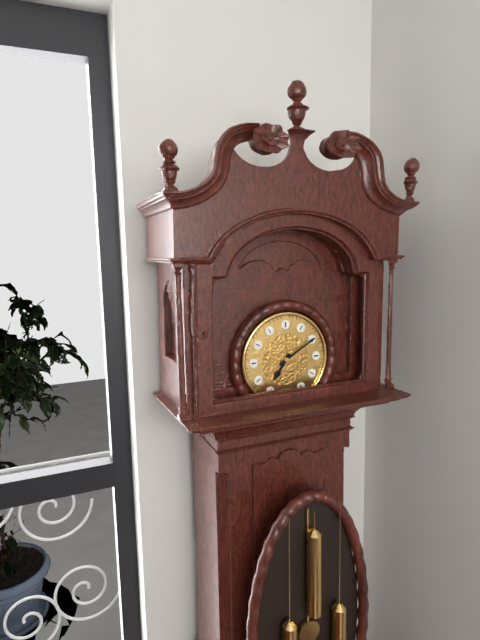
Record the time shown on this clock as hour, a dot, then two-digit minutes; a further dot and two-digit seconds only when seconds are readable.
7.10
